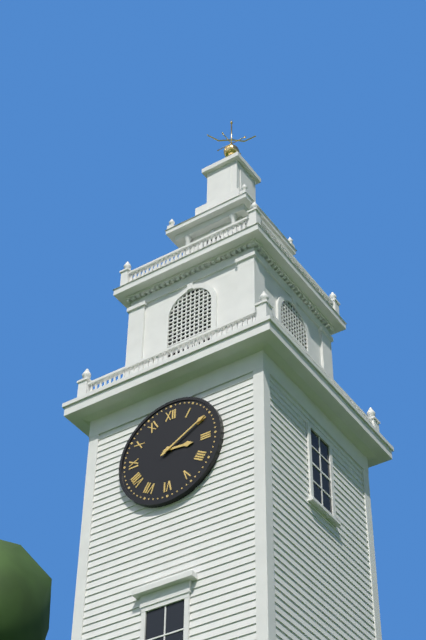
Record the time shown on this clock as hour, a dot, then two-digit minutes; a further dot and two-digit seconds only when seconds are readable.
3.10
